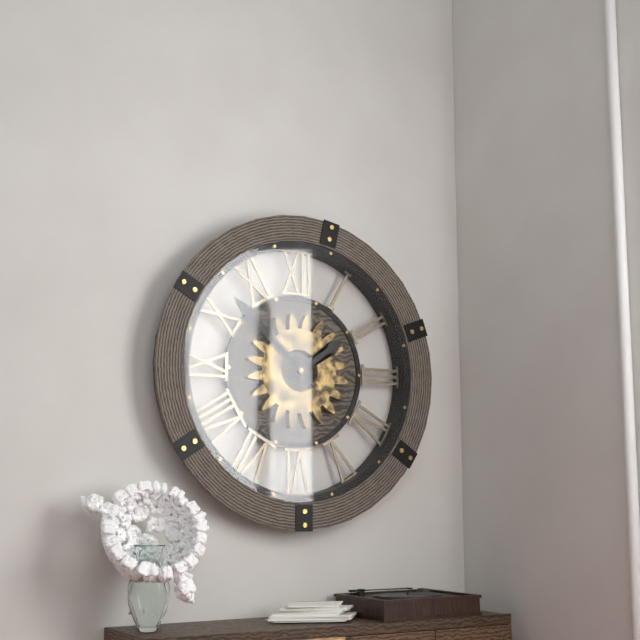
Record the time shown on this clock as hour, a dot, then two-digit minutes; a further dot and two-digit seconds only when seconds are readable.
1.52
